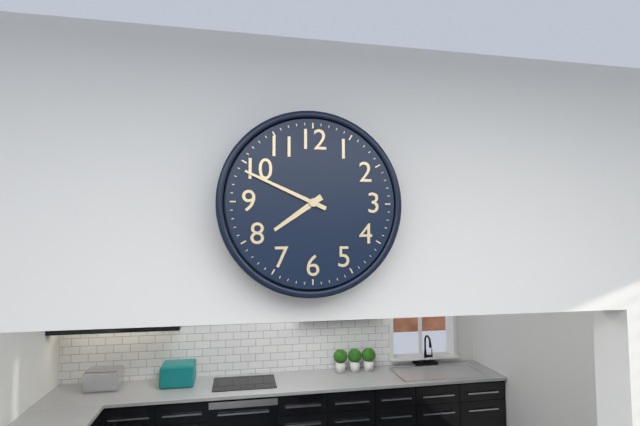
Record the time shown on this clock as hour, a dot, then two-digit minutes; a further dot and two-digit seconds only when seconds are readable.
7.49
